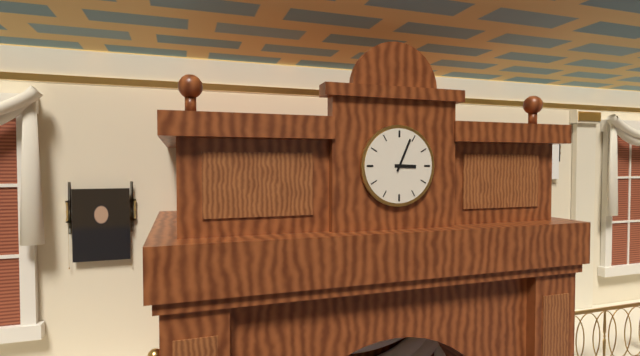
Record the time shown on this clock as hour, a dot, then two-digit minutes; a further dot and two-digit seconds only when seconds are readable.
3.04
